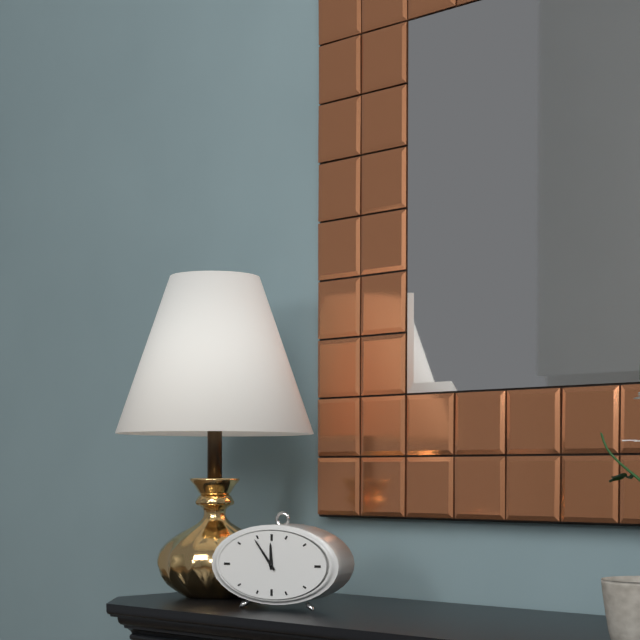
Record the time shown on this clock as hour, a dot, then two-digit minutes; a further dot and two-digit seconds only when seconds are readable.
11.54
